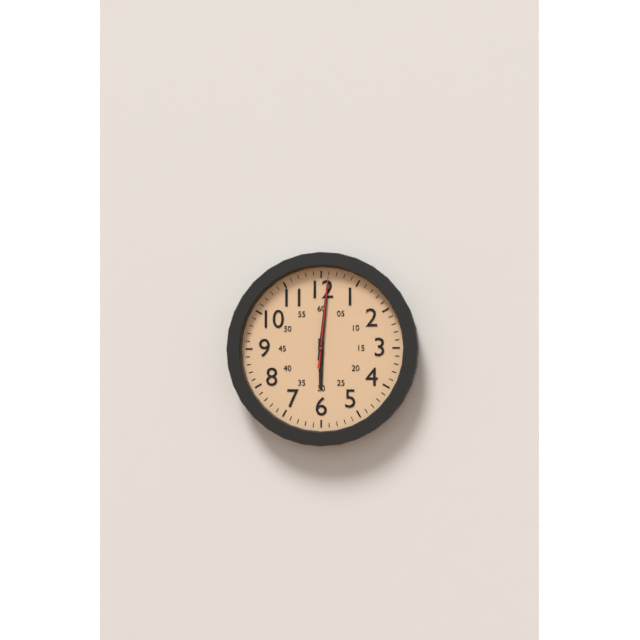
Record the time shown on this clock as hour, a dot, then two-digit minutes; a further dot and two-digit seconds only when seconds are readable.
6.01.01
